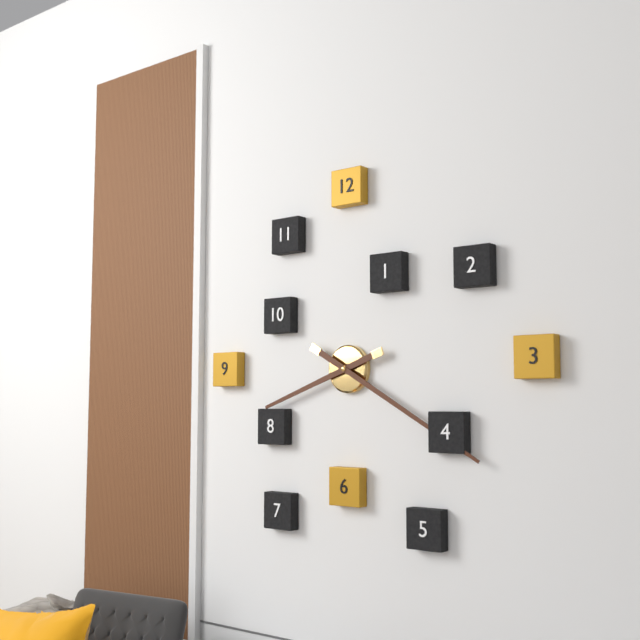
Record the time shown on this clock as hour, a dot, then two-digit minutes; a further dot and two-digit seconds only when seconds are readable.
8.20
